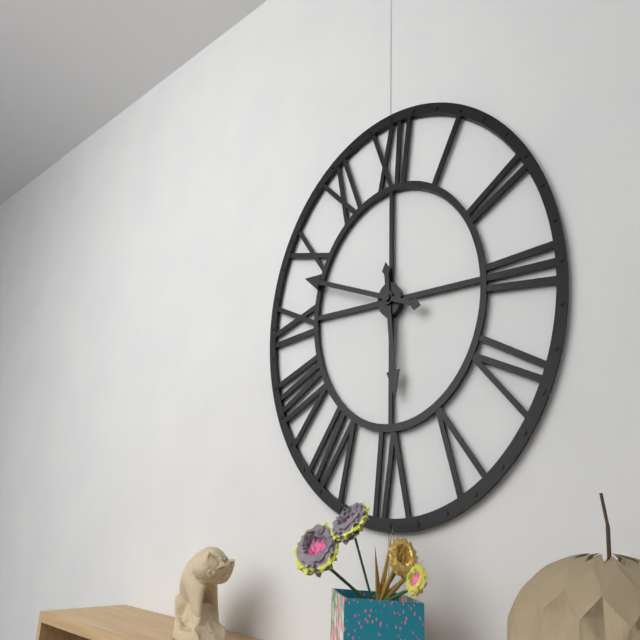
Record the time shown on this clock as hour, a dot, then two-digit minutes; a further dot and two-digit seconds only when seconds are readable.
5.48
